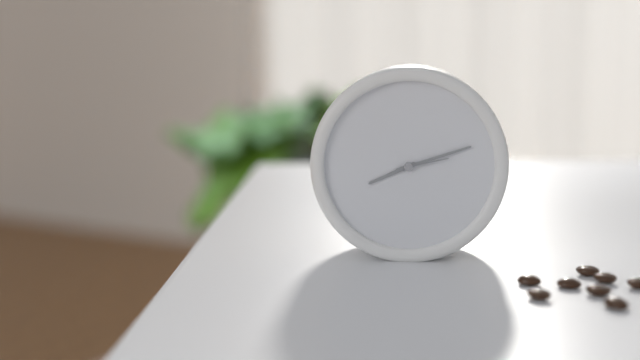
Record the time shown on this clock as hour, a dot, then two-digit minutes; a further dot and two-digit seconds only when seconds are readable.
8.12.13
